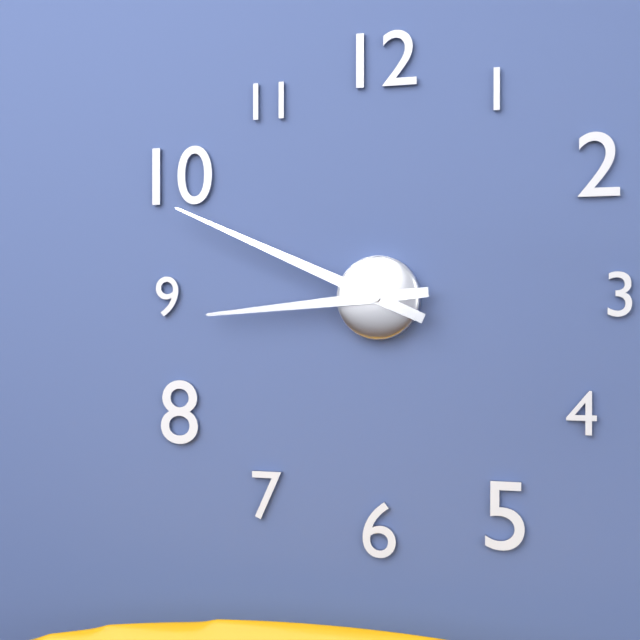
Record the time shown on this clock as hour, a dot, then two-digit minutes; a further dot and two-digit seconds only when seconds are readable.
8.49
